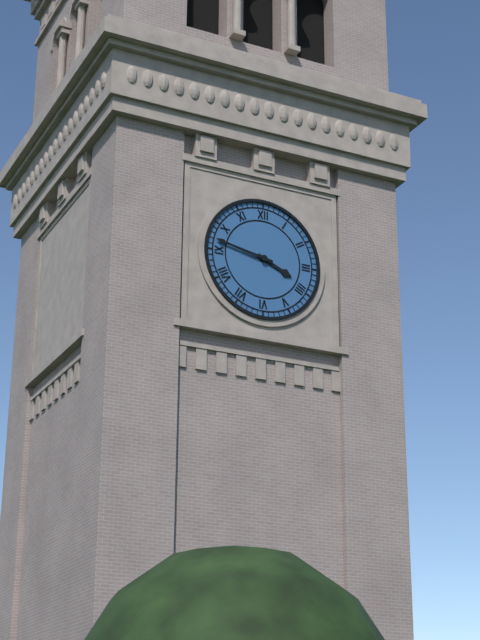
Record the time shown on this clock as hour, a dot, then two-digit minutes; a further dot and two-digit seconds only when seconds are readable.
3.47
